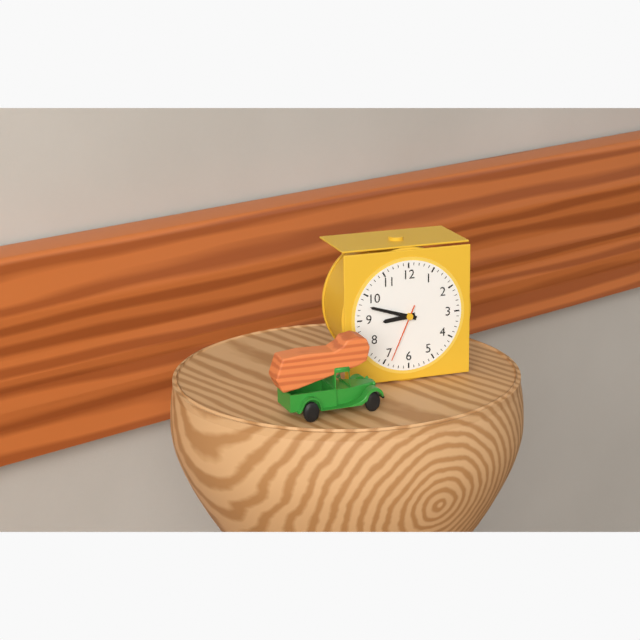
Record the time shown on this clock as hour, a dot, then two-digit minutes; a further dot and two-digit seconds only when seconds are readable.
8.48.34
